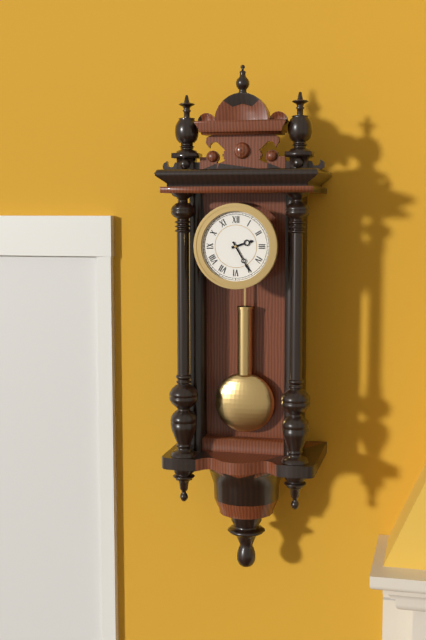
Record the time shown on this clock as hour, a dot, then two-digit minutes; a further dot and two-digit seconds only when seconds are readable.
2.25
